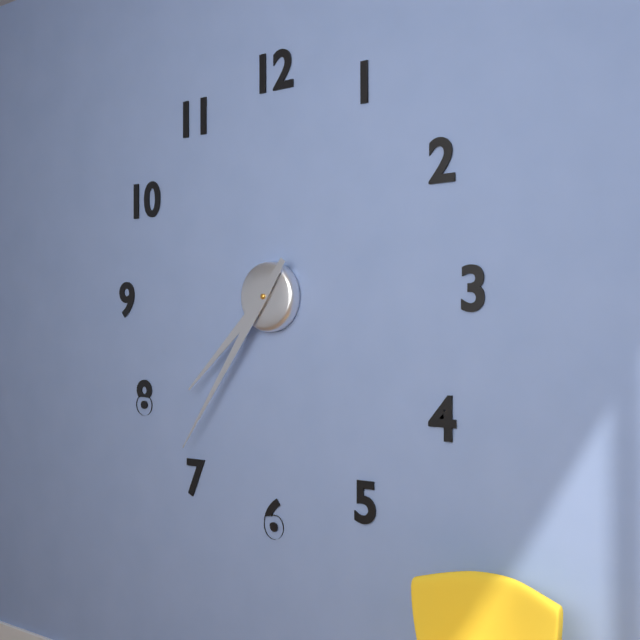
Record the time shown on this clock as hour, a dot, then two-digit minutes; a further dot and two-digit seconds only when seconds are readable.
7.36
